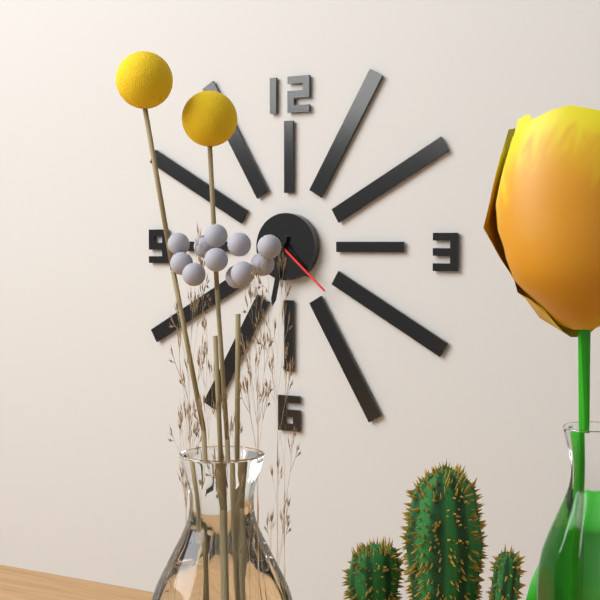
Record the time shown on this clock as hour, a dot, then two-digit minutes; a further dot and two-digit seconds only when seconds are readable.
4.32.22
